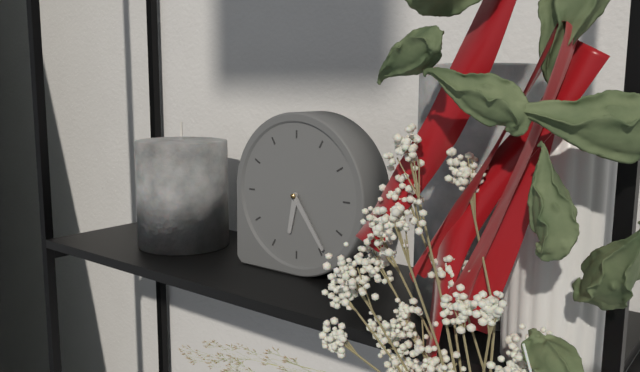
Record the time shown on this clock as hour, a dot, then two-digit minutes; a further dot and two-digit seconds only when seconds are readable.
6.24
